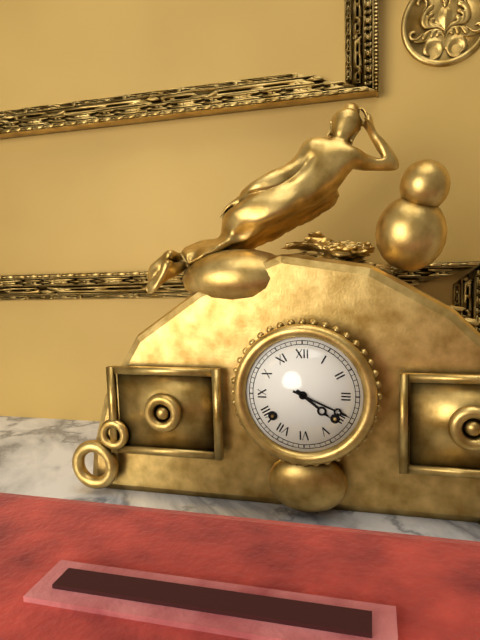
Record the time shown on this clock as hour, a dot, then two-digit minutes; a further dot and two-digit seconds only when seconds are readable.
4.19
